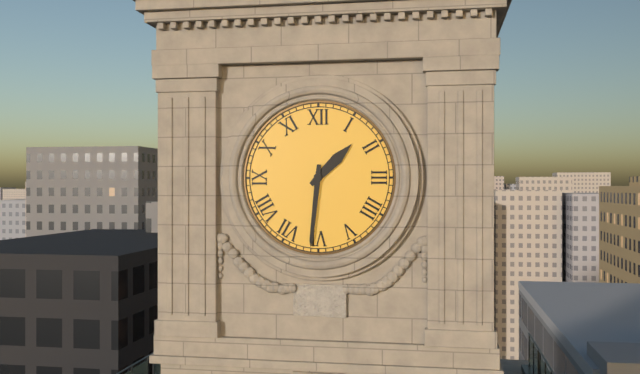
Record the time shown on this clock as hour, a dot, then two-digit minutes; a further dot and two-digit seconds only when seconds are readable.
1.31
